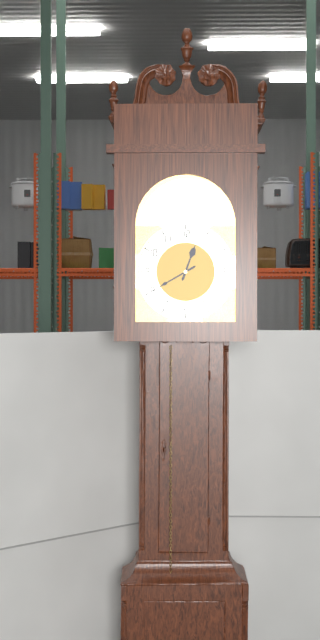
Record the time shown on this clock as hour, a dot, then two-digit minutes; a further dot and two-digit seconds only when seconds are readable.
12.40
